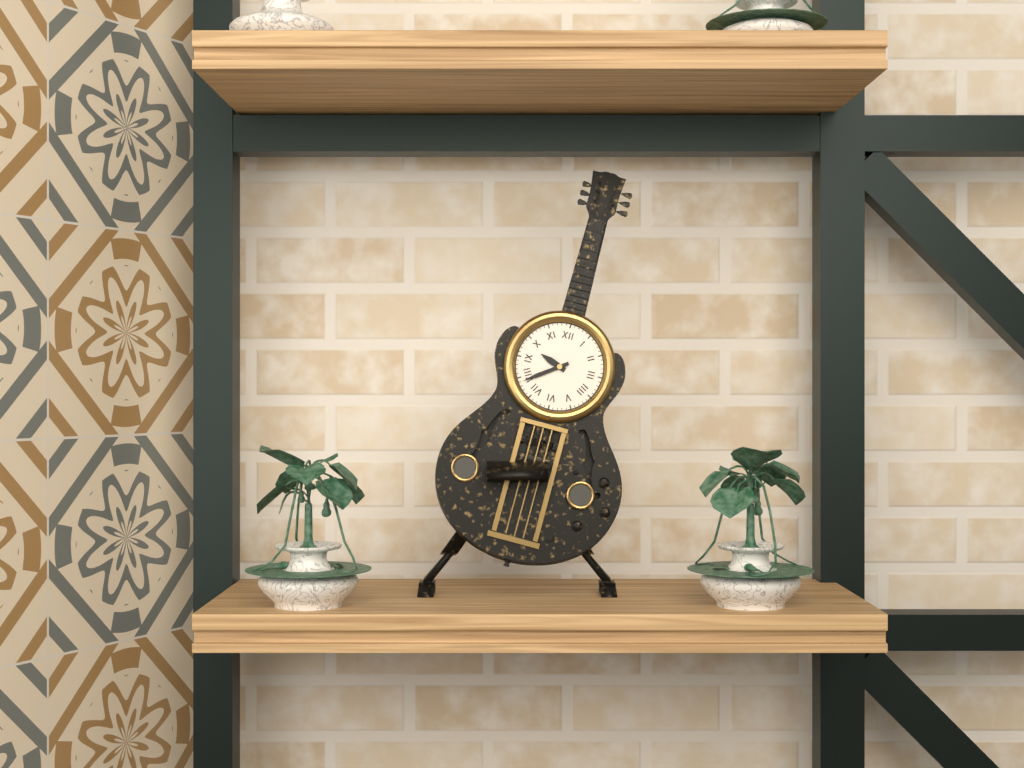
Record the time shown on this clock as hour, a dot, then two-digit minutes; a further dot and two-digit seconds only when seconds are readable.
9.39
